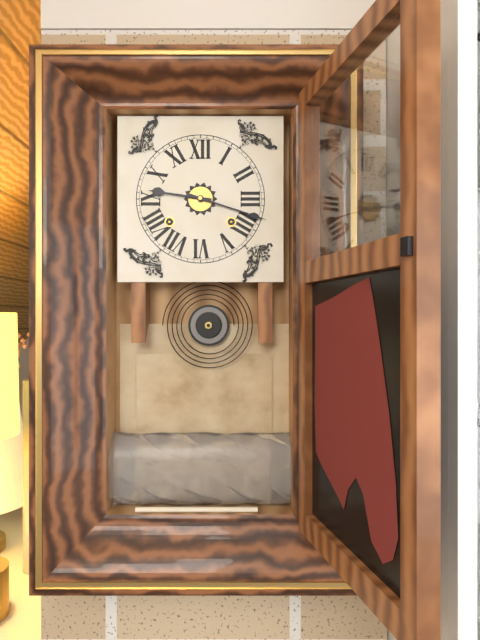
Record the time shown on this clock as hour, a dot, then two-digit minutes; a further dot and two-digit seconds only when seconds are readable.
9.18
